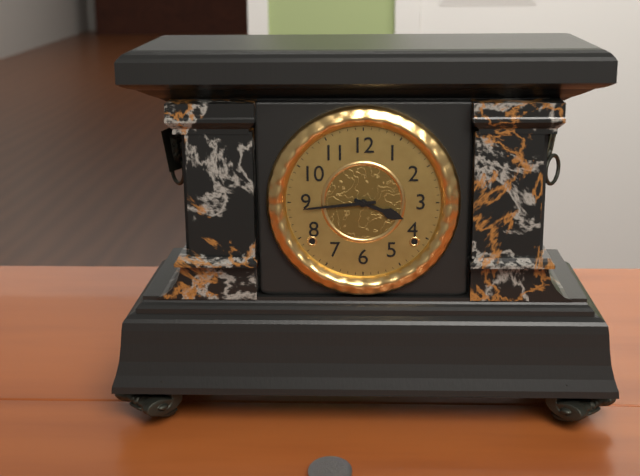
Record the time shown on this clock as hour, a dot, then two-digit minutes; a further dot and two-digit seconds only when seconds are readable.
3.44
